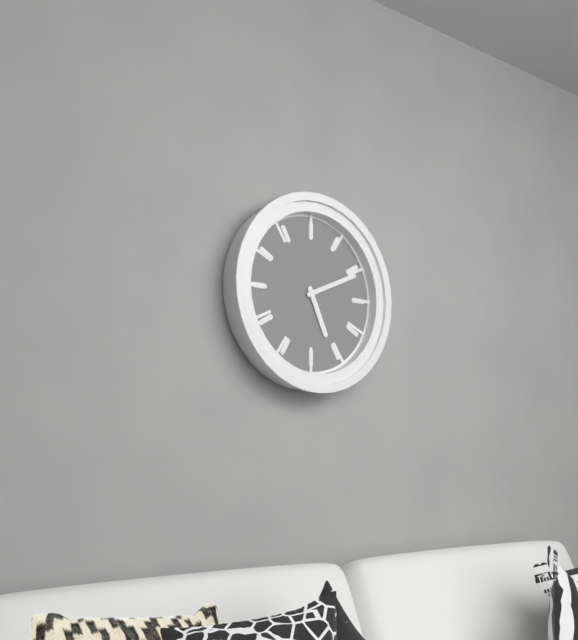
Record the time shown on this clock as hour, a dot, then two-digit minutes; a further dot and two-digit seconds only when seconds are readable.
5.11
